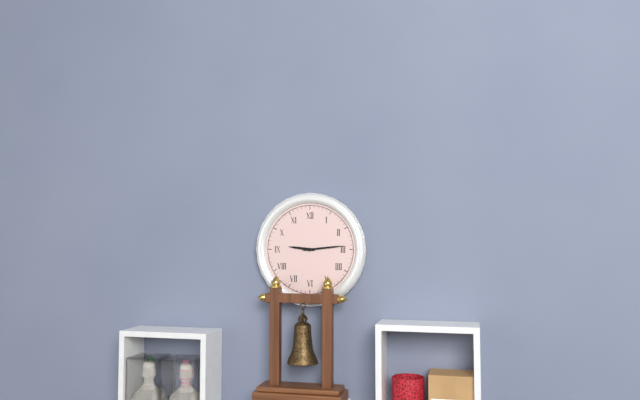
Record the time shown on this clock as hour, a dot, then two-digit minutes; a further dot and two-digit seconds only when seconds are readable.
9.14
